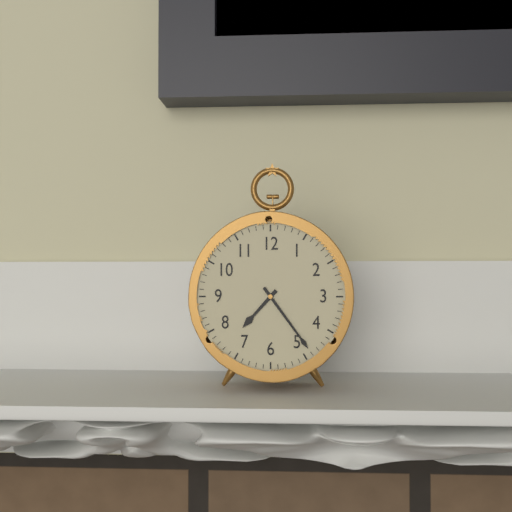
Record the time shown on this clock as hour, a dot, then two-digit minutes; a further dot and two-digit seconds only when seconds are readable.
7.24
